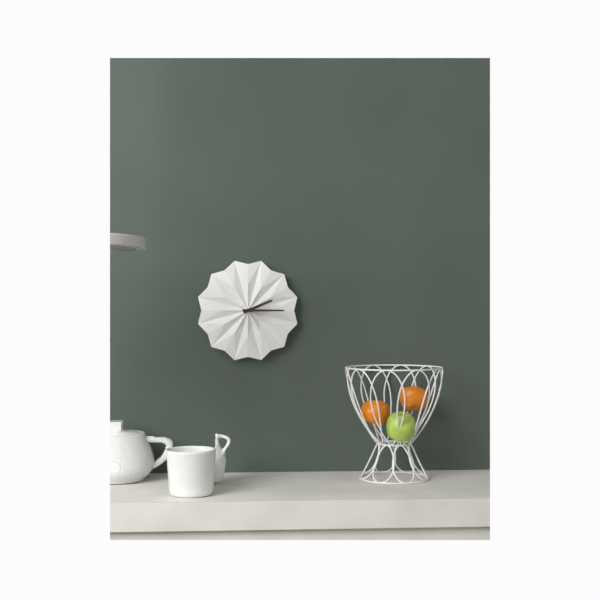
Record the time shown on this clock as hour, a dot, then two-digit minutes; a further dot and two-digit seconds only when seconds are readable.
2.15
